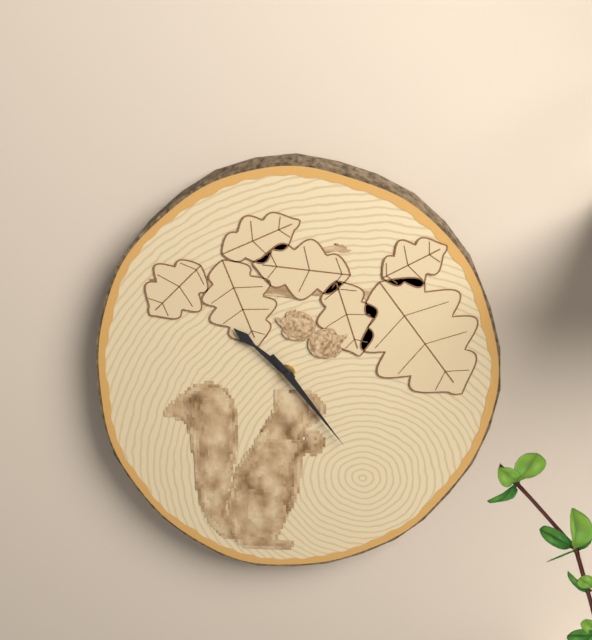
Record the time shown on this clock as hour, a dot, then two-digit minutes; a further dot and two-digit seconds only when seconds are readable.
10.24
